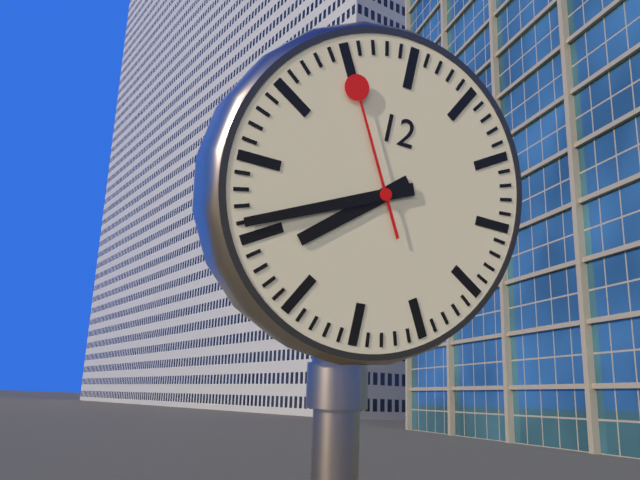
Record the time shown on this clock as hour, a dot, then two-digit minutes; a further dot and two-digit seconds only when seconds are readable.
7.41.55
